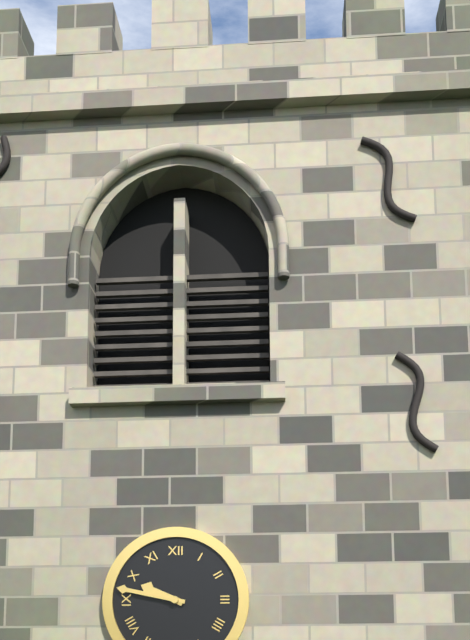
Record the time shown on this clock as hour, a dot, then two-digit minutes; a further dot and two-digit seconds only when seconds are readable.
9.47
